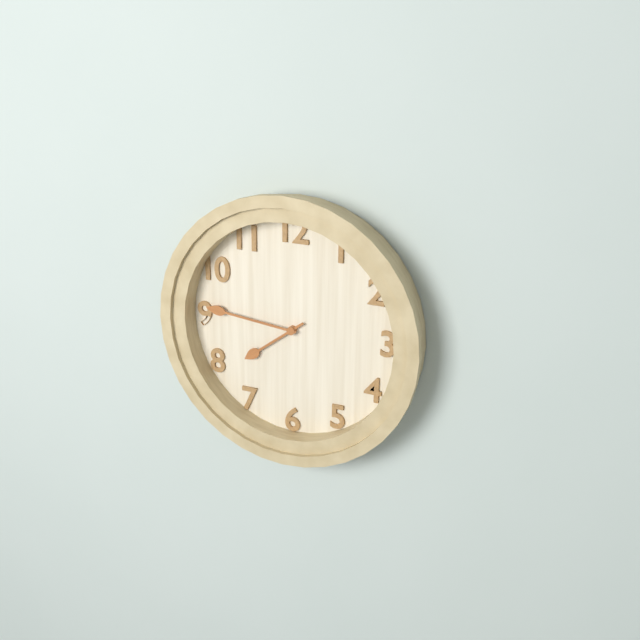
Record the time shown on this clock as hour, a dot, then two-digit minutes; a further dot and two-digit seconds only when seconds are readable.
7.46
